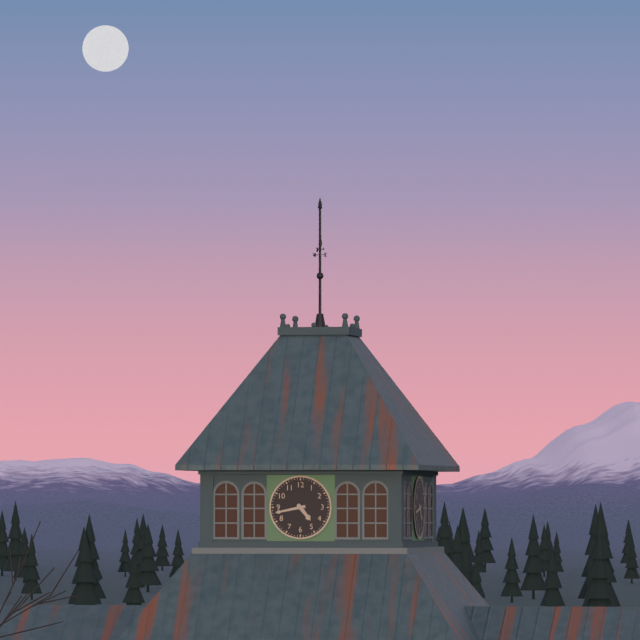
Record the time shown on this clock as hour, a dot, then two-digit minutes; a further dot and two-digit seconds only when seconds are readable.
4.43
